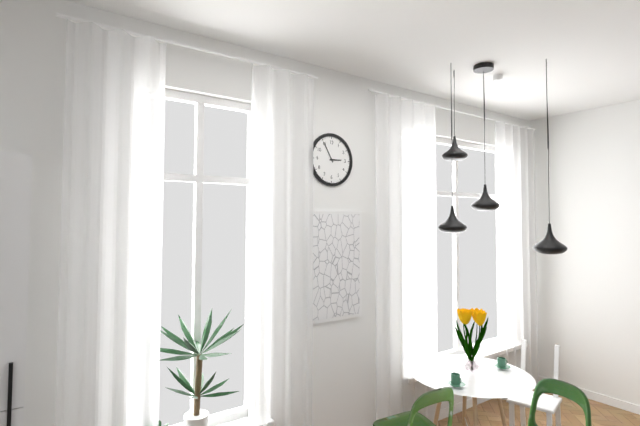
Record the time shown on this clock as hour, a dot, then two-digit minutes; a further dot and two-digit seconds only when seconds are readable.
2.55
